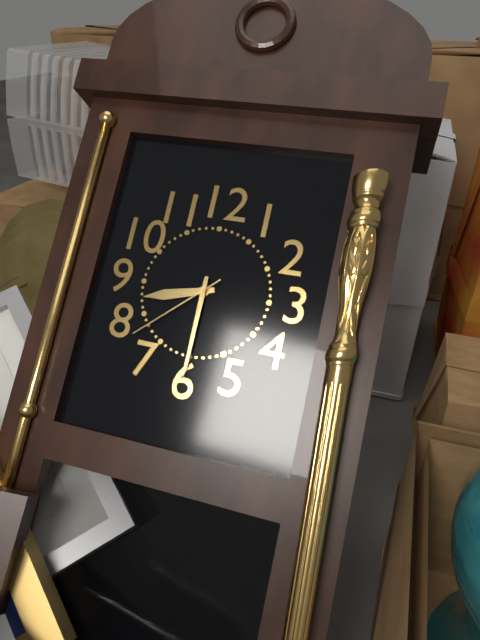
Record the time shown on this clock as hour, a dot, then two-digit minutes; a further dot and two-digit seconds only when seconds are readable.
8.30.38
